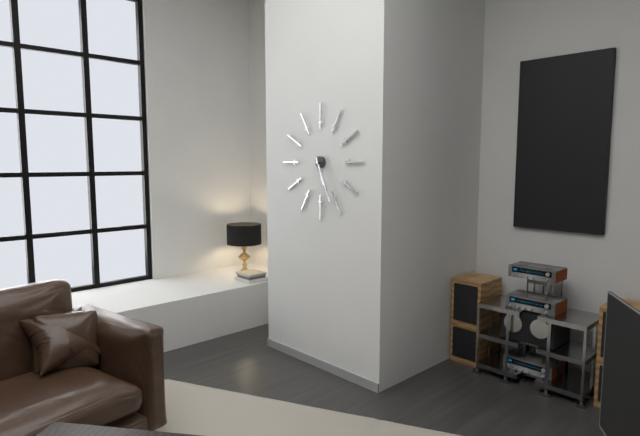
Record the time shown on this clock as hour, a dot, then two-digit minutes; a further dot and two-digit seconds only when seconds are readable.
5.26
